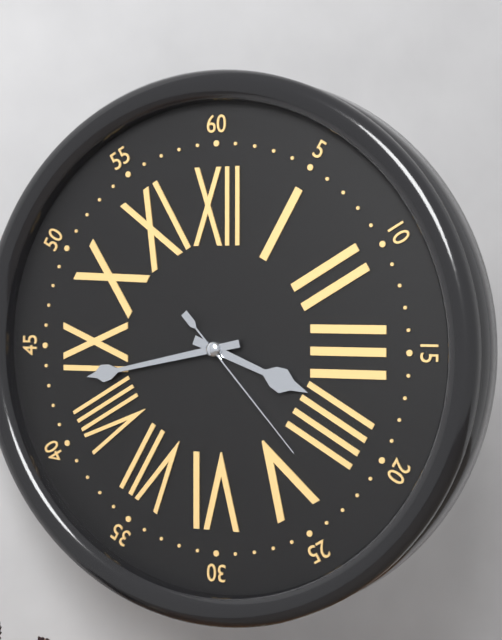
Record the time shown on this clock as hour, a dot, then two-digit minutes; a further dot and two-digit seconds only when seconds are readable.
3.43.23
